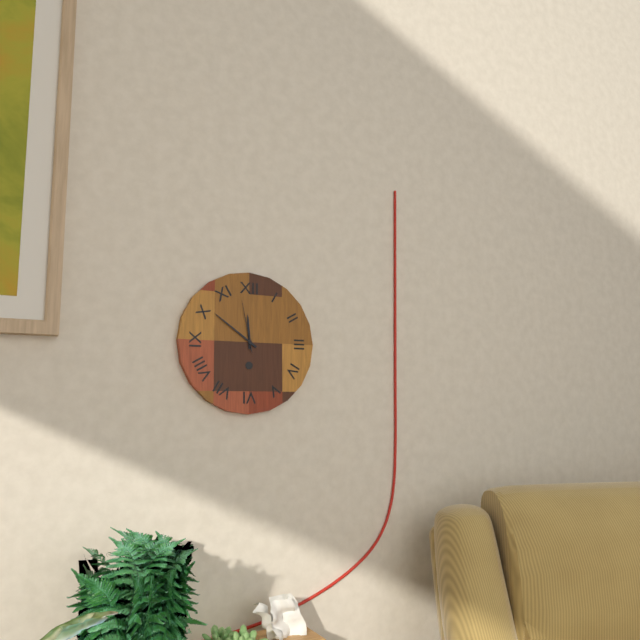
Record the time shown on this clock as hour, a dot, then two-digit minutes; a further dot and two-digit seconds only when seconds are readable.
11.51.58
